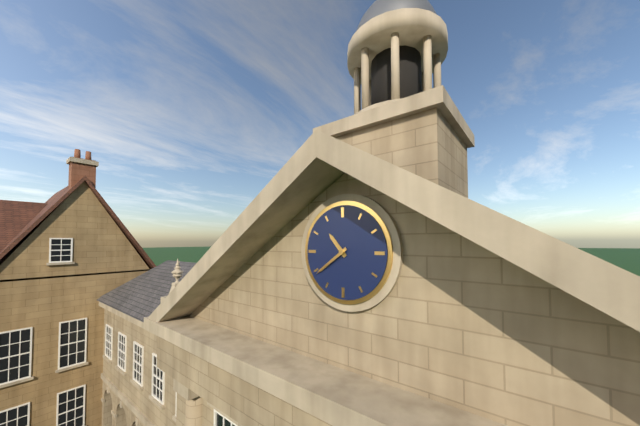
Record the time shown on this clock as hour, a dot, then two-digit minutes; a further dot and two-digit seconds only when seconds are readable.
10.39
